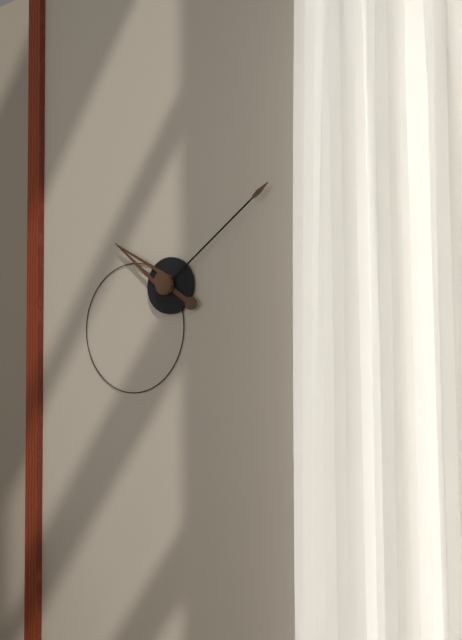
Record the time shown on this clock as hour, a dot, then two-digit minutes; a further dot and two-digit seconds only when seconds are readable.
10.09
